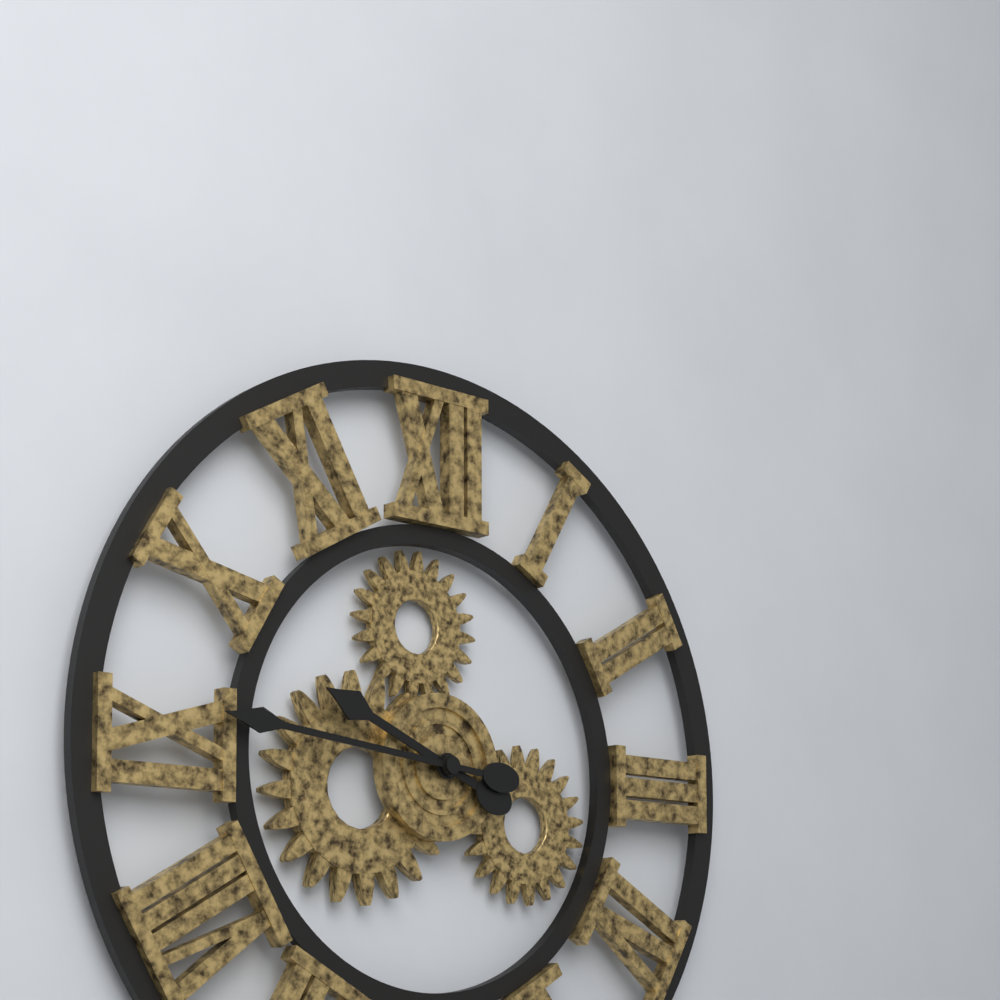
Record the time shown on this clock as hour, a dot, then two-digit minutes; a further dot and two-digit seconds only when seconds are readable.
9.46
